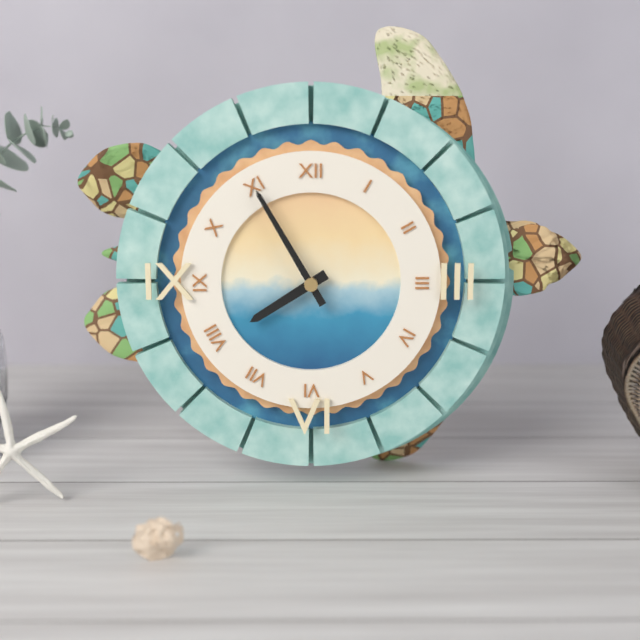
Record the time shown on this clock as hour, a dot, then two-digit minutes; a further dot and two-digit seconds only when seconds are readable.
7.55
